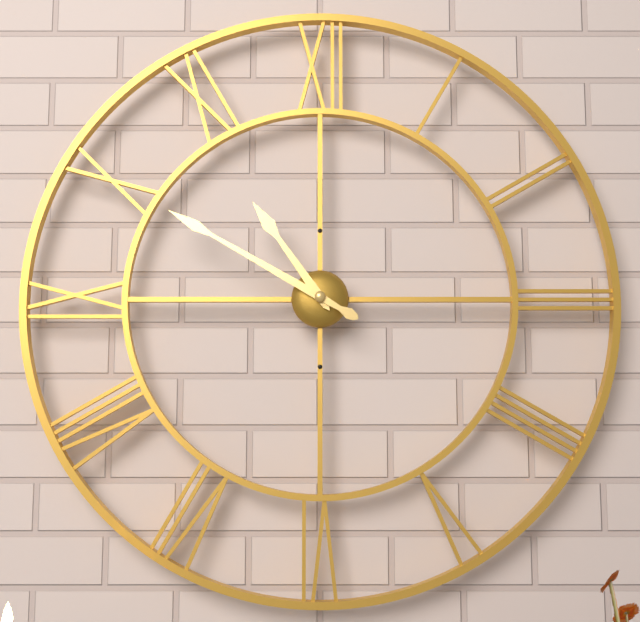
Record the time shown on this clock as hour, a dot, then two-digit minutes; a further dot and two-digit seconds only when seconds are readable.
10.50
